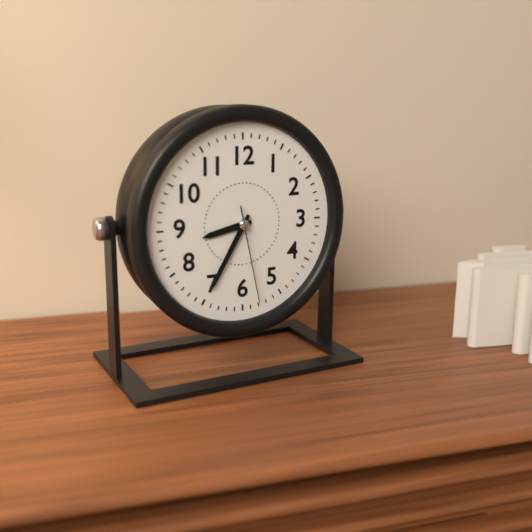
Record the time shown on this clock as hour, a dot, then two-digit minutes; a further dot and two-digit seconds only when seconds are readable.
8.35.28
